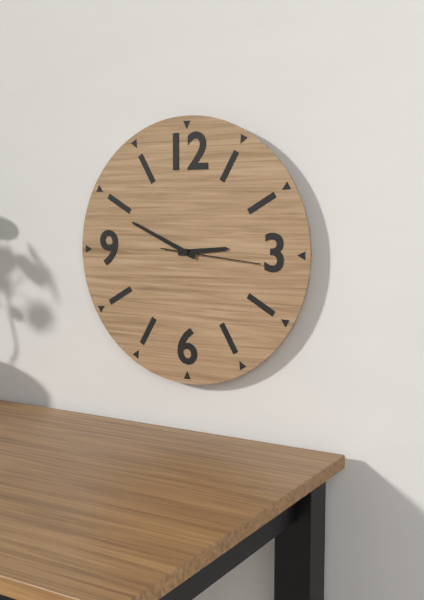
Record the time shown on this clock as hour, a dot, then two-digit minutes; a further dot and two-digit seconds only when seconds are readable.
2.49.16
